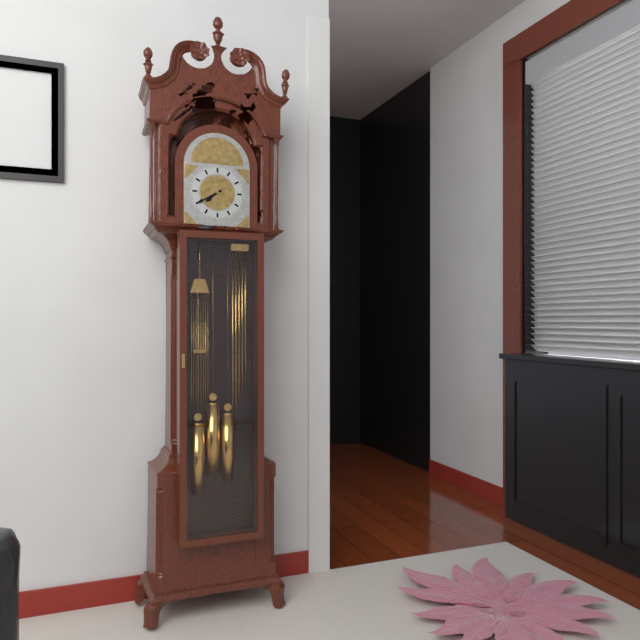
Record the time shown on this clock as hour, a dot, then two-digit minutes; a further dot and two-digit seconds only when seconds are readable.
7.40
